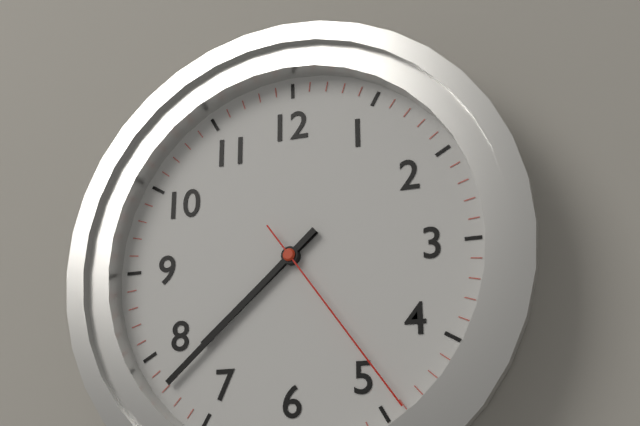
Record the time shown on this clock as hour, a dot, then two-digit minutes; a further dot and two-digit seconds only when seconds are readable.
7.38.24
